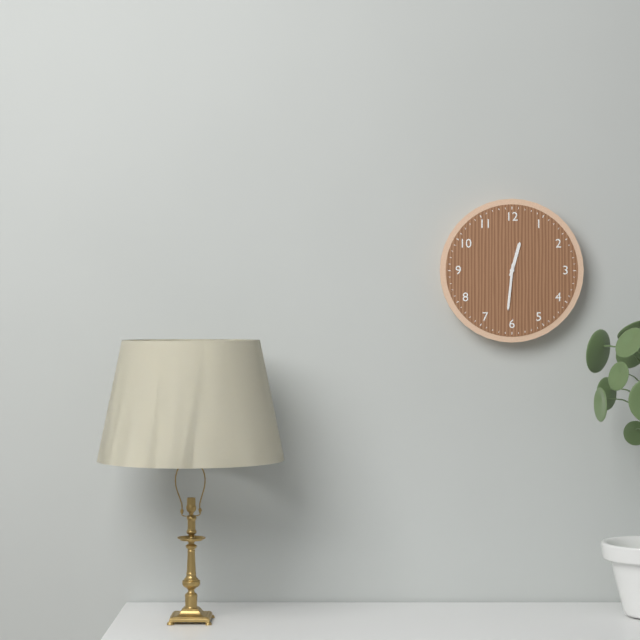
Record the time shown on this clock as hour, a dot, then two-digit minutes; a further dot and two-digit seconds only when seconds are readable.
12.31
